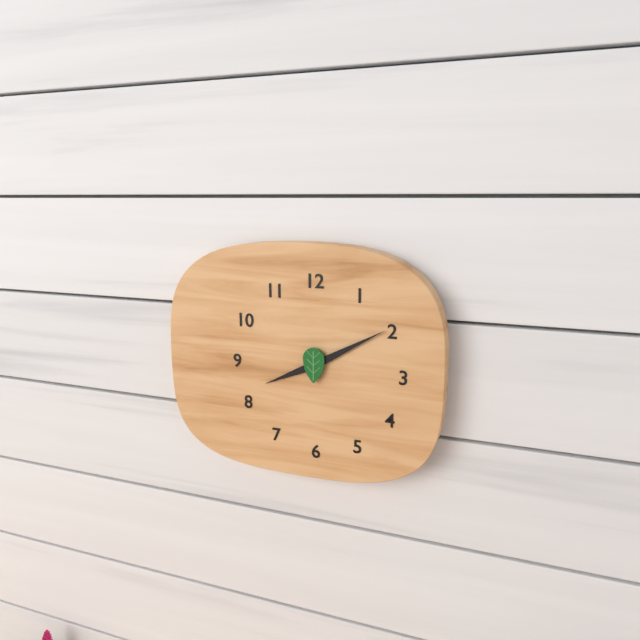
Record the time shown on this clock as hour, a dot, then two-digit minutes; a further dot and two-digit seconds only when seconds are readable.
8.10
